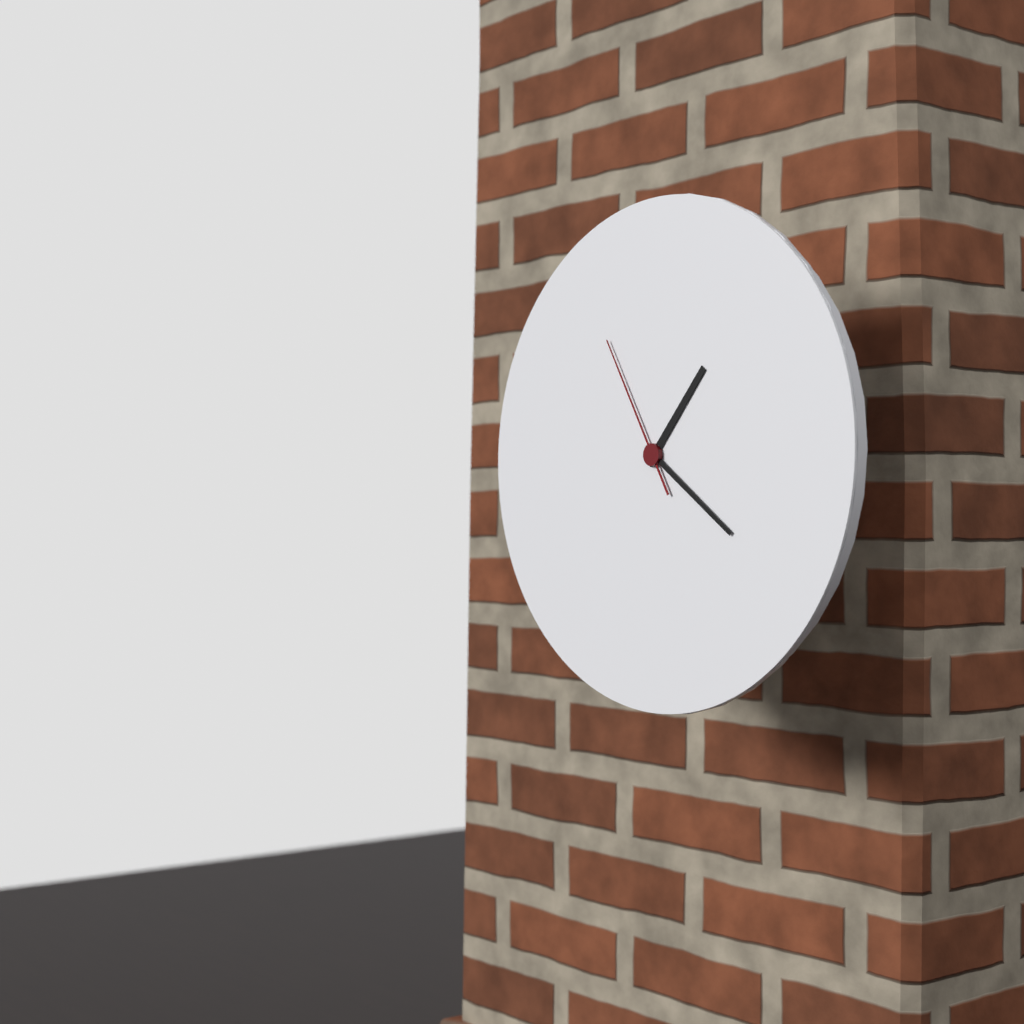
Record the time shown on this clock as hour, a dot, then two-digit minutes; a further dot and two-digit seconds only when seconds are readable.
1.21.55
